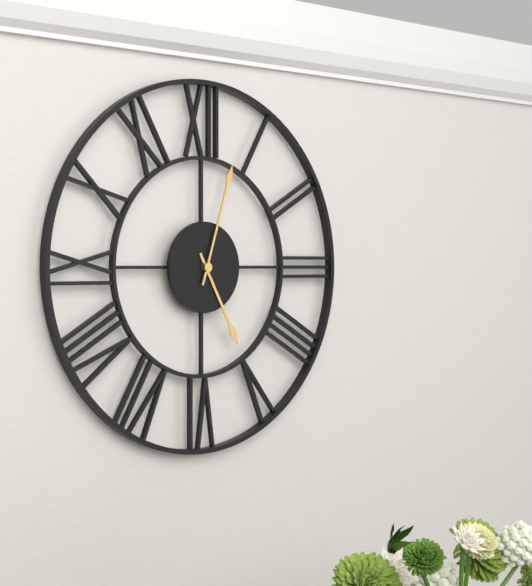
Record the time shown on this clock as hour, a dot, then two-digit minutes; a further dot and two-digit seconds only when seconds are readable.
5.03
